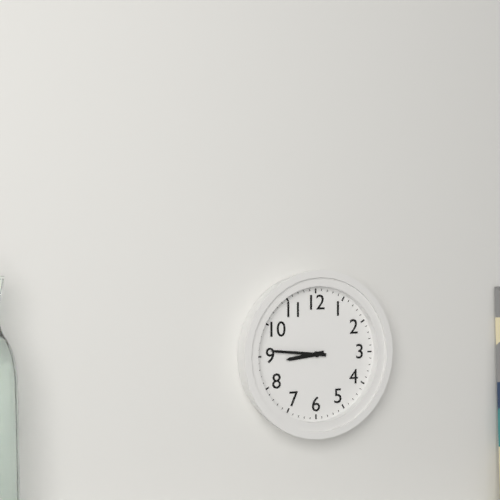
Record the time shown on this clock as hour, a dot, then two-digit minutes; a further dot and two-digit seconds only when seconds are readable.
8.46
